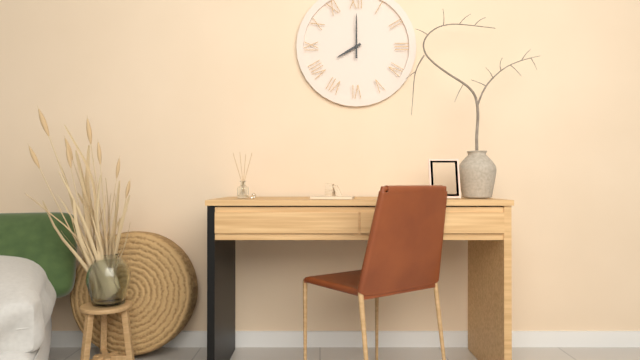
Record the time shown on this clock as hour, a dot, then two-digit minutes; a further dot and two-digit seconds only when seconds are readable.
8.00
